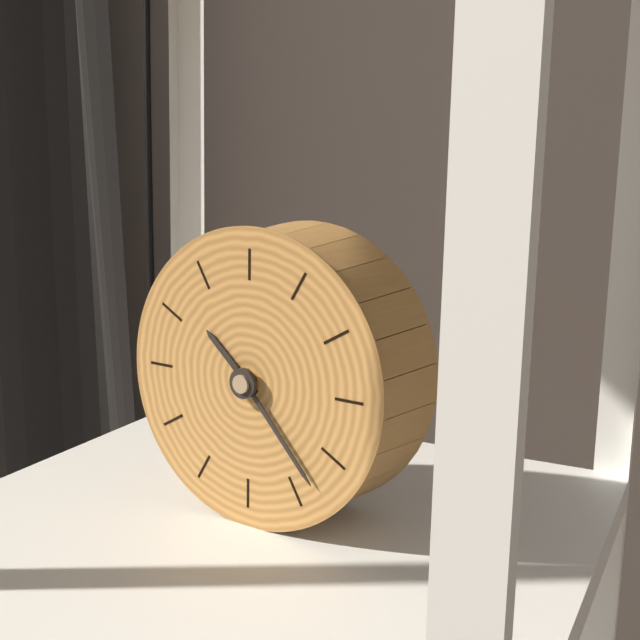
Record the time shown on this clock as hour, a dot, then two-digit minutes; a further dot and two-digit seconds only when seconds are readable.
10.23
